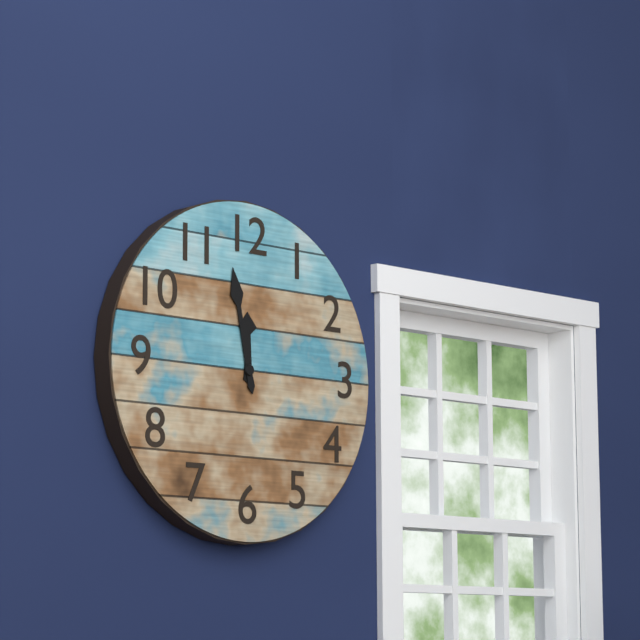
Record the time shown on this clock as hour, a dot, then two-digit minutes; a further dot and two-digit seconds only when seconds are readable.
11.58
